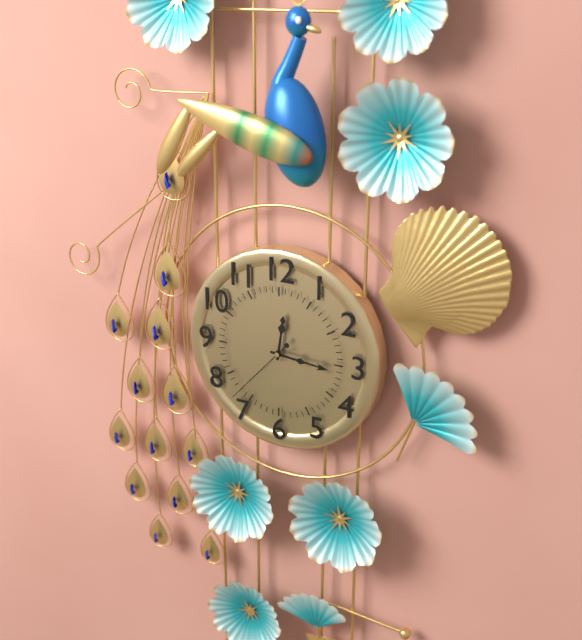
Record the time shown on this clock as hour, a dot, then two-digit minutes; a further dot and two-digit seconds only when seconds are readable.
12.16.37
